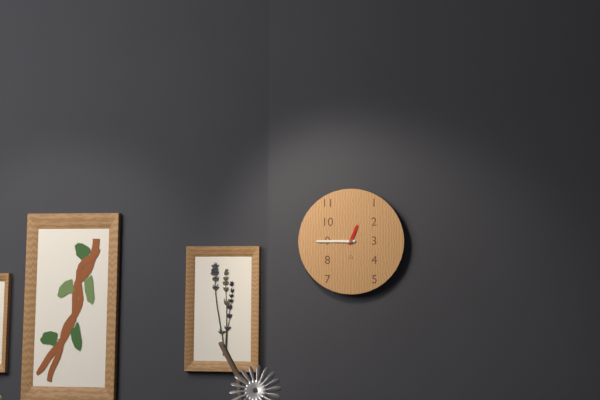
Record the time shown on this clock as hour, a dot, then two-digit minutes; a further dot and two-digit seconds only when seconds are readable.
12.45
